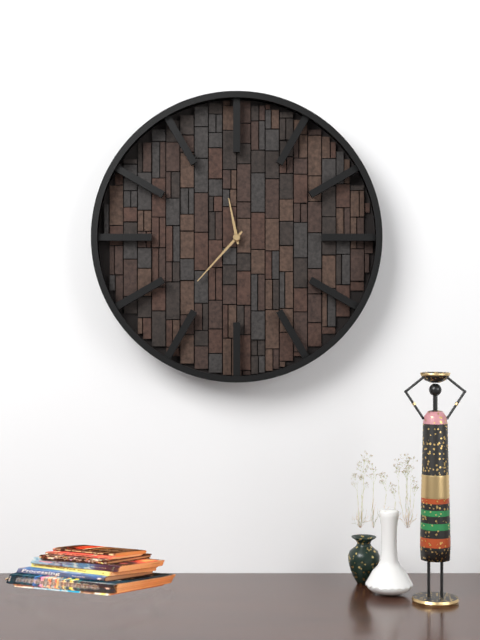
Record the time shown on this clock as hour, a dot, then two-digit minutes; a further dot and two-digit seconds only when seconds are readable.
11.37
